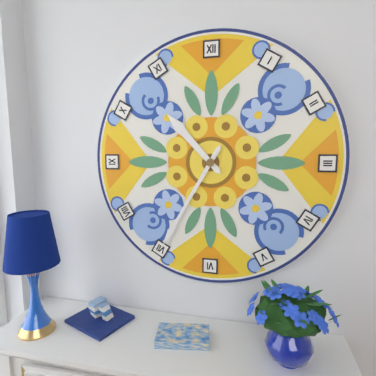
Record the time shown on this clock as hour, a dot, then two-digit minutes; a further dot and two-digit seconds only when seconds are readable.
10.35
